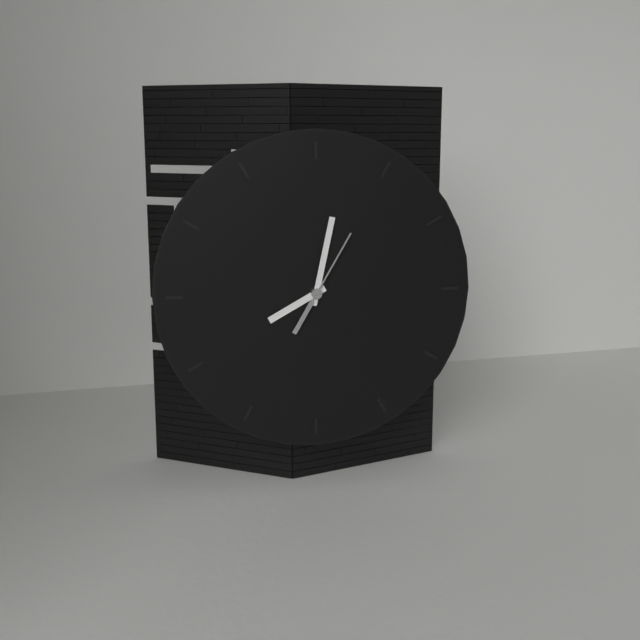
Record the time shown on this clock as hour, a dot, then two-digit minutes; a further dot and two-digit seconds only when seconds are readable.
8.02.05
